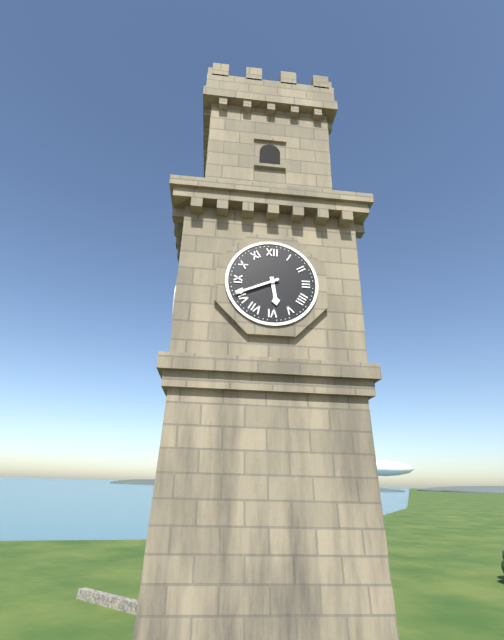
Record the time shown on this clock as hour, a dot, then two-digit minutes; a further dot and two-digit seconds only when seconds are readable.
5.41
